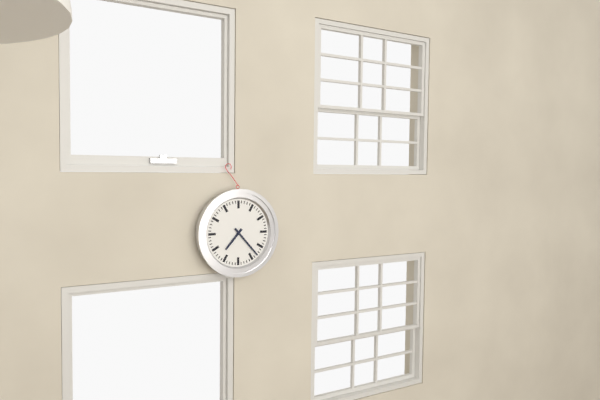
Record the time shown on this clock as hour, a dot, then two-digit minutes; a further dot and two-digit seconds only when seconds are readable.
7.23
